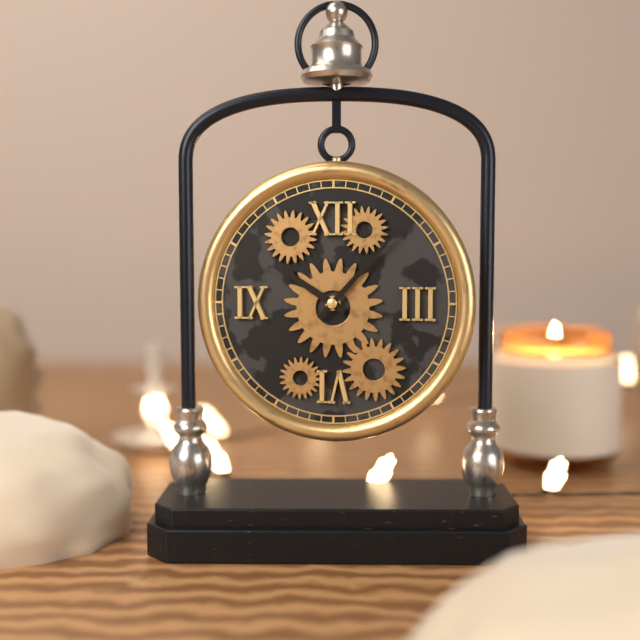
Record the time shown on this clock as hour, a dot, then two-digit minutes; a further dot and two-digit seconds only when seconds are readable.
10.07
